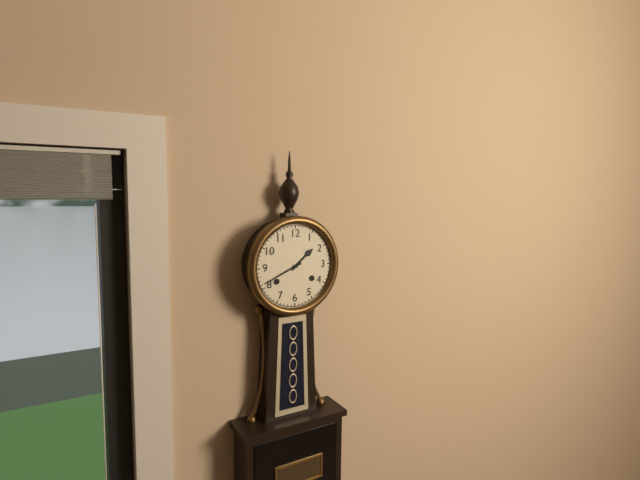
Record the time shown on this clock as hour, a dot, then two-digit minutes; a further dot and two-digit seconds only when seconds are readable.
1.41
